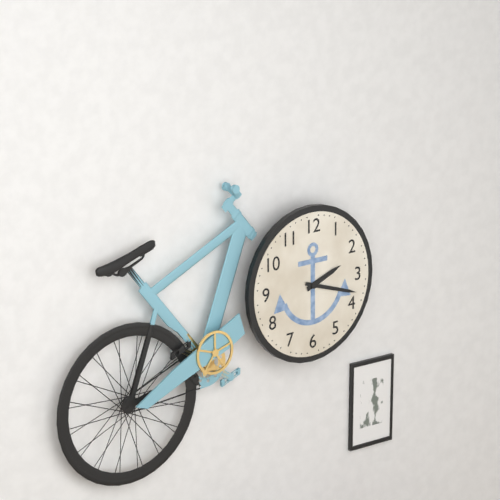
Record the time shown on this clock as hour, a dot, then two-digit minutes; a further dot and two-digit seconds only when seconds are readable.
2.18
